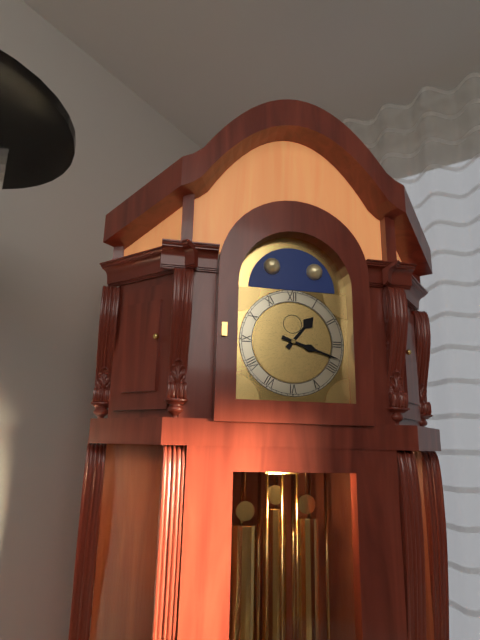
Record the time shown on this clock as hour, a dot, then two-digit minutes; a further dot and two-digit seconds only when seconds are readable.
1.18
